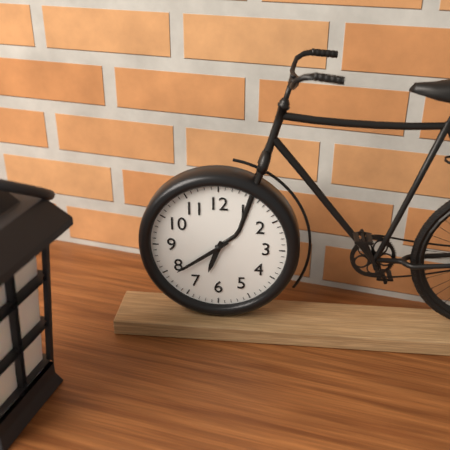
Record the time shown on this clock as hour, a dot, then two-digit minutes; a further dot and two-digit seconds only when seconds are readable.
6.39
